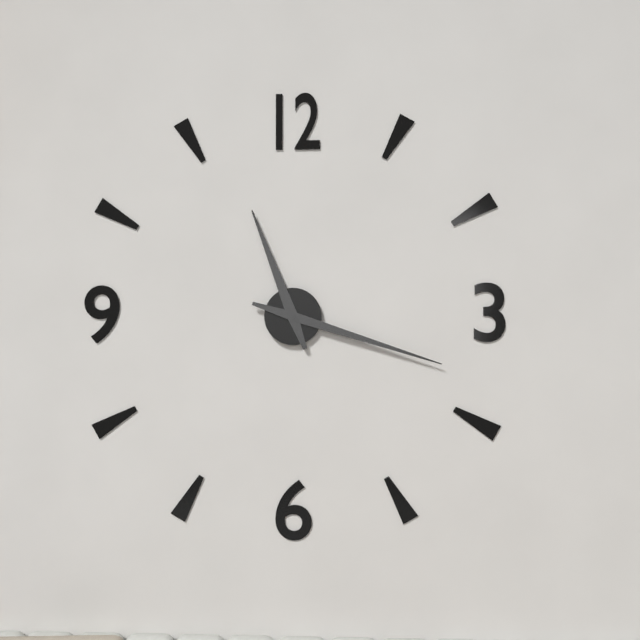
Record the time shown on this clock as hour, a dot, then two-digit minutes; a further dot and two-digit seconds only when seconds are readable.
11.18
